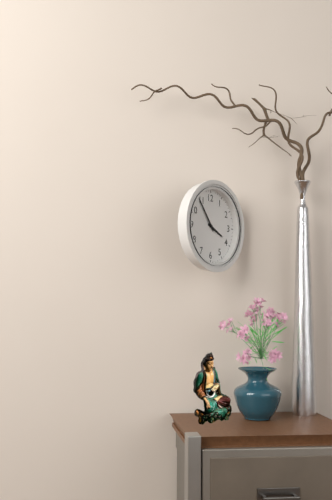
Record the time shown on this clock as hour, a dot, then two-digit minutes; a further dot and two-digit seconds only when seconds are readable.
3.54
